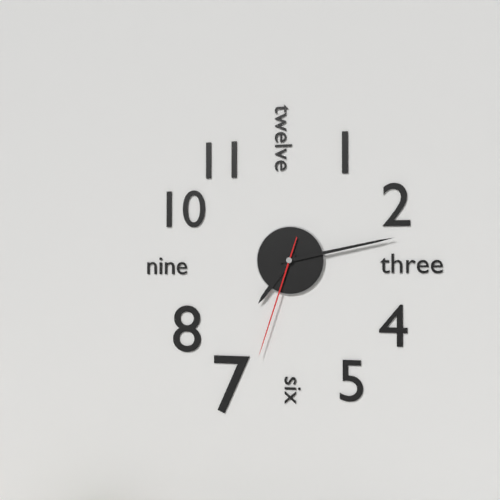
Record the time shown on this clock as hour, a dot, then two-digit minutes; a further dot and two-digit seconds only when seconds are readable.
7.13.33
